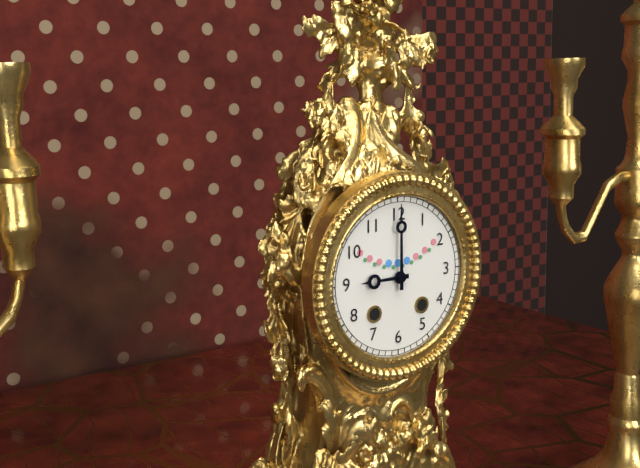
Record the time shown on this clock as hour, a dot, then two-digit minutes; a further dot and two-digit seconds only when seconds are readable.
9.00
